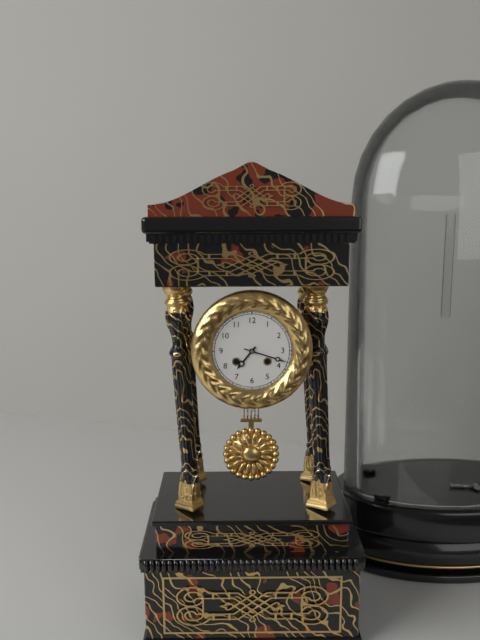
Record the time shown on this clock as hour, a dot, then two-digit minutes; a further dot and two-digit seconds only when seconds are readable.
7.18
